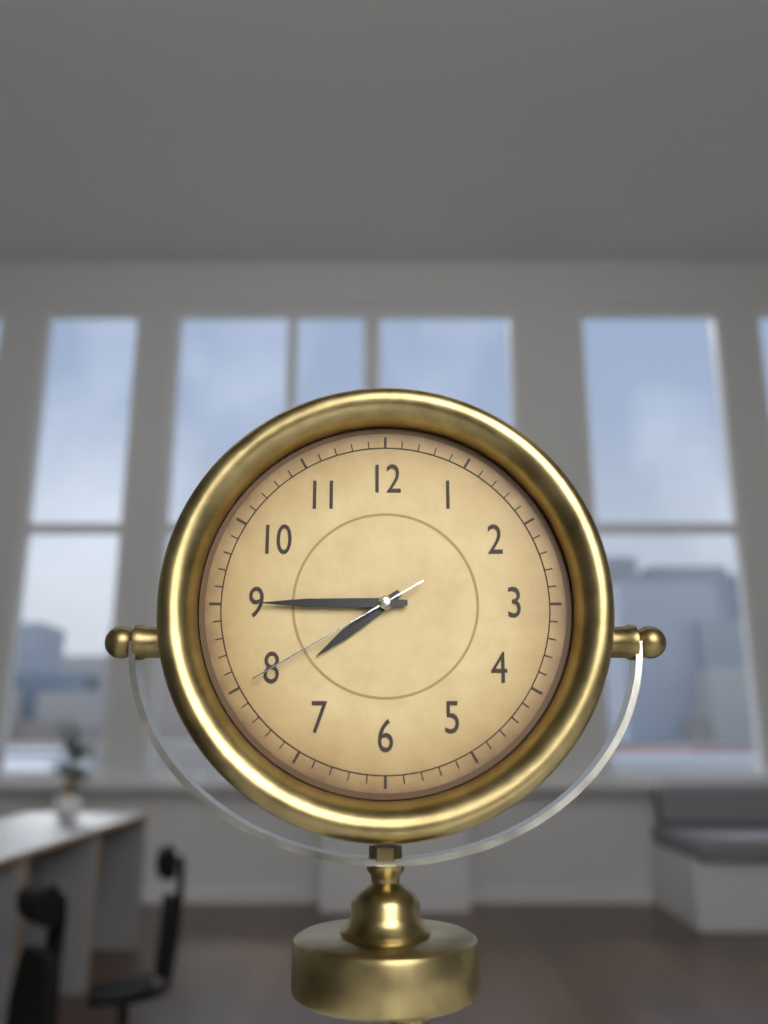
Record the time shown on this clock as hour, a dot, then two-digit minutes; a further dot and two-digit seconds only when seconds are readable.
7.45.40
